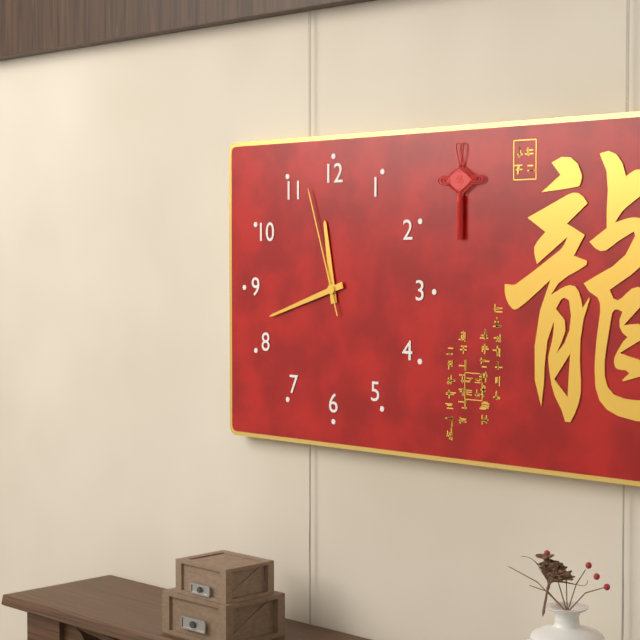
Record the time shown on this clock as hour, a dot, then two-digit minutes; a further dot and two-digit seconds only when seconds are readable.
11.42.57
